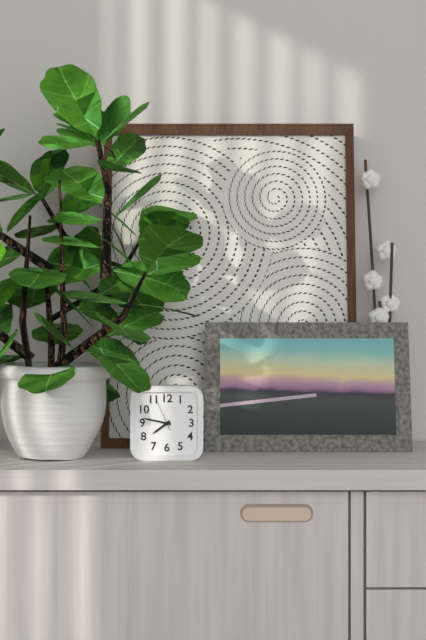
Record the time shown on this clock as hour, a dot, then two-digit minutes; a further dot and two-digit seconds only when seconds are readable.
7.47
